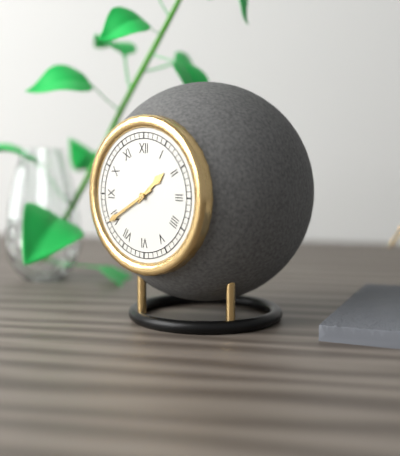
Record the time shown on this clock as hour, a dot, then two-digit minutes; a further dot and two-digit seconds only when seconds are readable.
1.40
